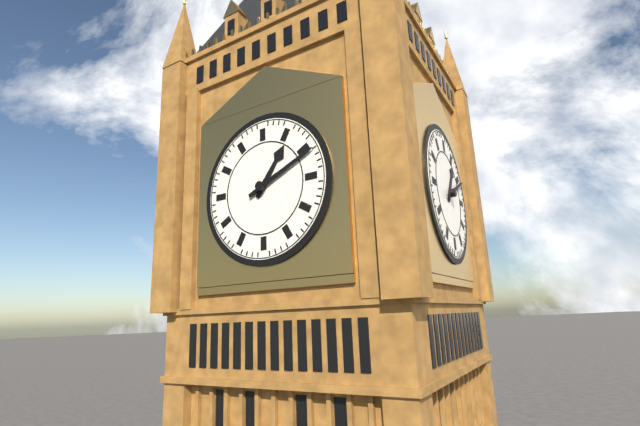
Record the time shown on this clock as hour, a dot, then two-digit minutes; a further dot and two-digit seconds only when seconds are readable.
1.11
